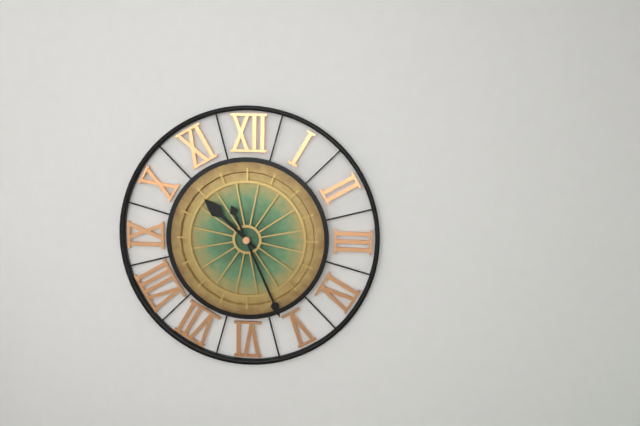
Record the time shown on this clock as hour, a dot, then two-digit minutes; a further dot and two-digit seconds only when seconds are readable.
10.26
